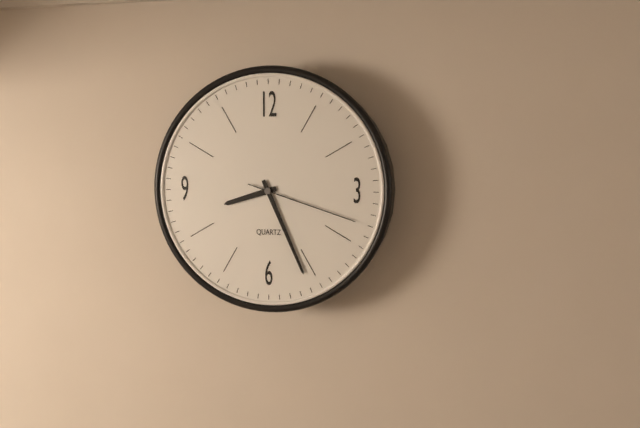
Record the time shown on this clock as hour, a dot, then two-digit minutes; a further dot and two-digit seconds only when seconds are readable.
8.26.18
